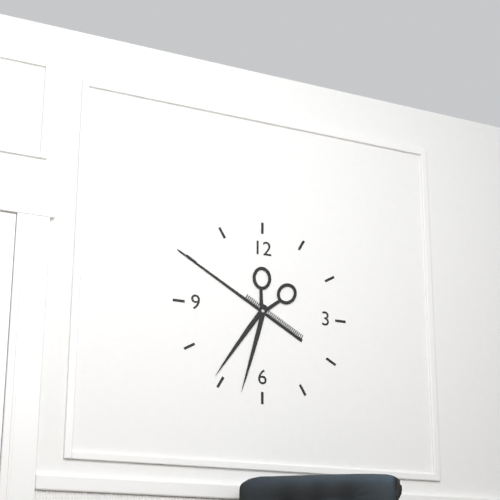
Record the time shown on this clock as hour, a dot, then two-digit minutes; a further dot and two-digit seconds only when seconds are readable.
6.50
